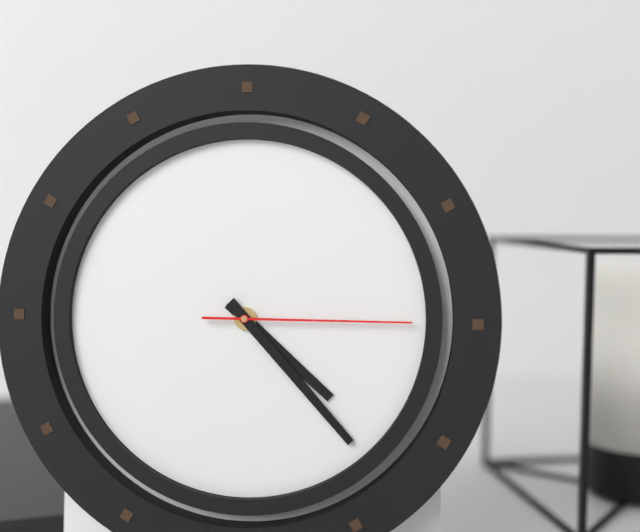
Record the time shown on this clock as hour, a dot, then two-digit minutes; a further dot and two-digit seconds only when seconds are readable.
4.23.15
